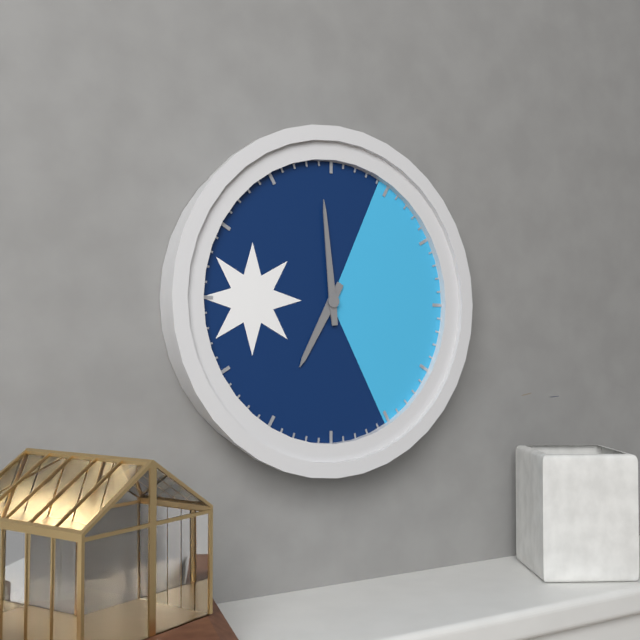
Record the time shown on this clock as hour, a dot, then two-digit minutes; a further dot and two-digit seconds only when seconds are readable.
6.59
